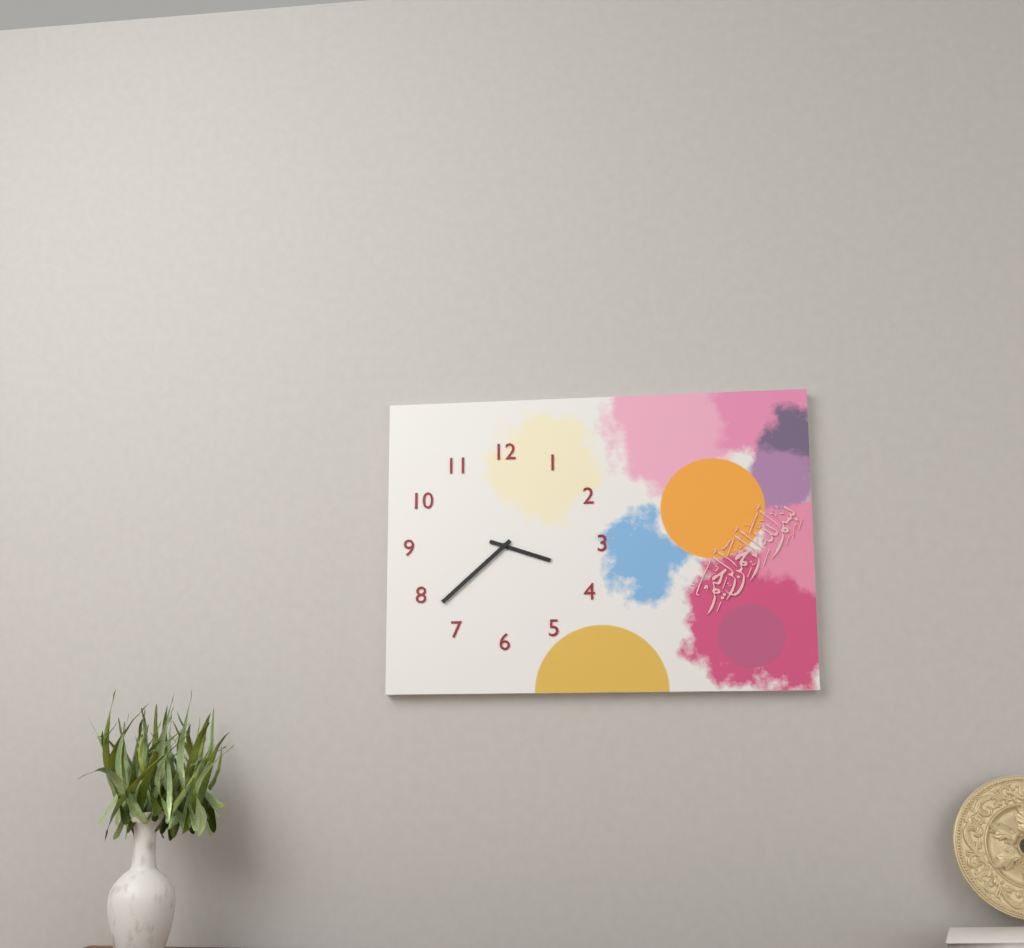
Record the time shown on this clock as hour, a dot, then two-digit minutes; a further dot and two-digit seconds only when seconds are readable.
3.38
